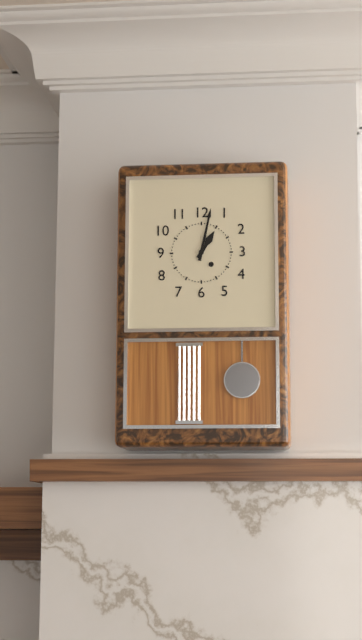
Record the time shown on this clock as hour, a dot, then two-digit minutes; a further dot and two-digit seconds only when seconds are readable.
1.02
